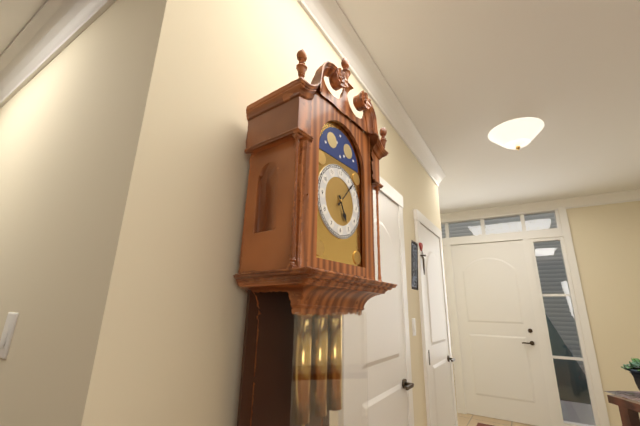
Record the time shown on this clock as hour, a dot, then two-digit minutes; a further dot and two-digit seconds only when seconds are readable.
5.07
